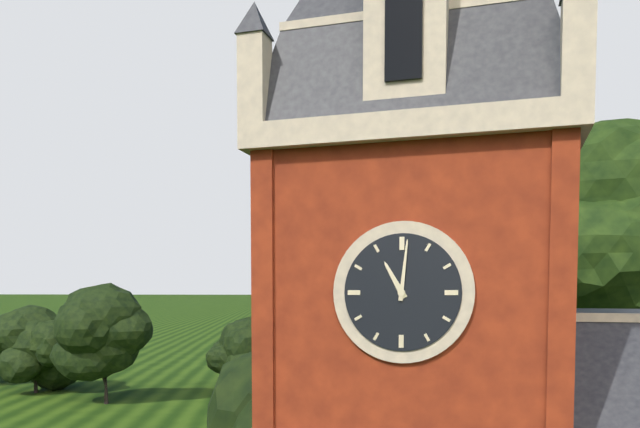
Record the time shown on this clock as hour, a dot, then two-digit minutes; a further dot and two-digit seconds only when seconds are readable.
11.01
